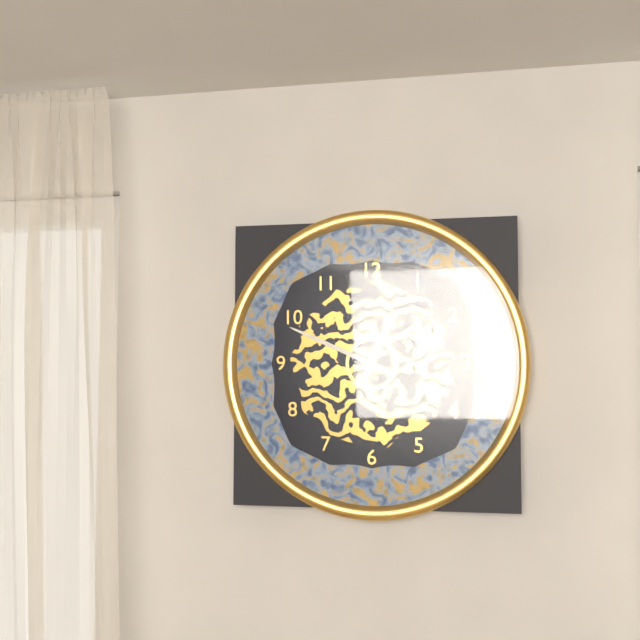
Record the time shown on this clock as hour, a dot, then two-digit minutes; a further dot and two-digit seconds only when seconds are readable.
12.49
